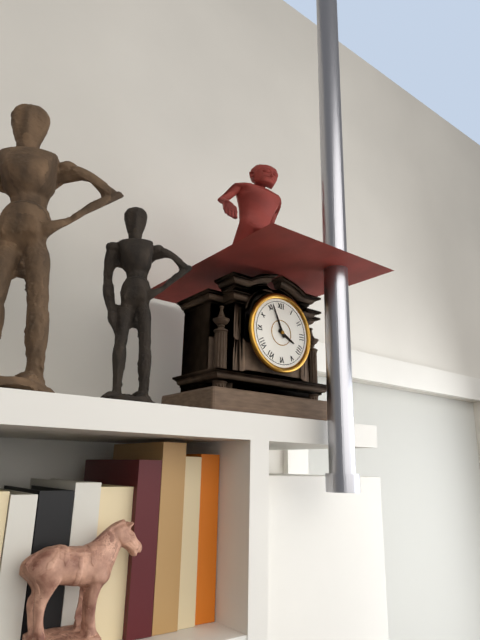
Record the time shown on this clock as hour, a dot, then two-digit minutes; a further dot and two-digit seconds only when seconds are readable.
3.56
